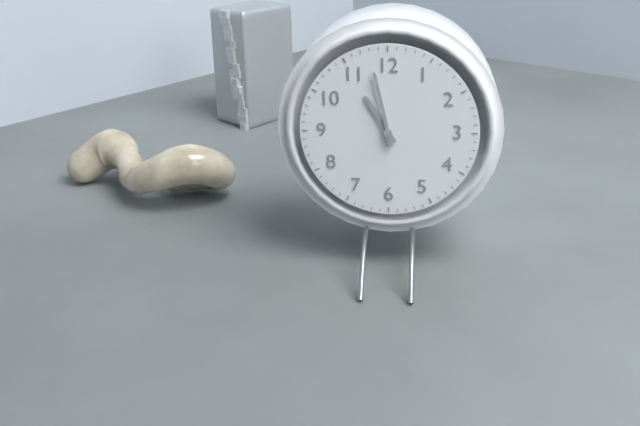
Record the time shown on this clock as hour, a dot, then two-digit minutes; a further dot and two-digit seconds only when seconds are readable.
10.58
